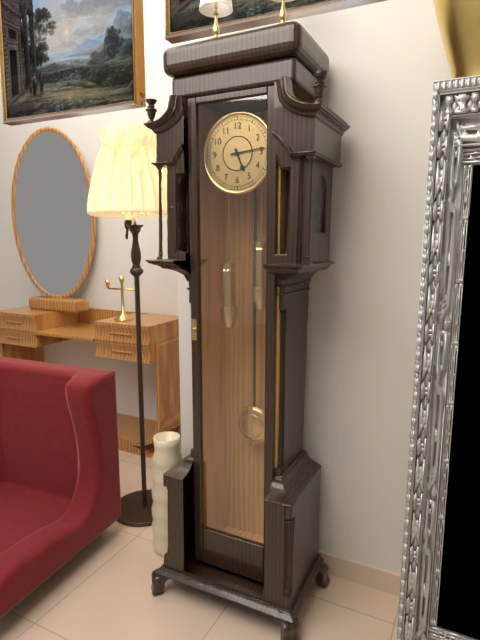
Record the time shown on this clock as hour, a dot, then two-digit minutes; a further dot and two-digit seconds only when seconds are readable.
5.14
